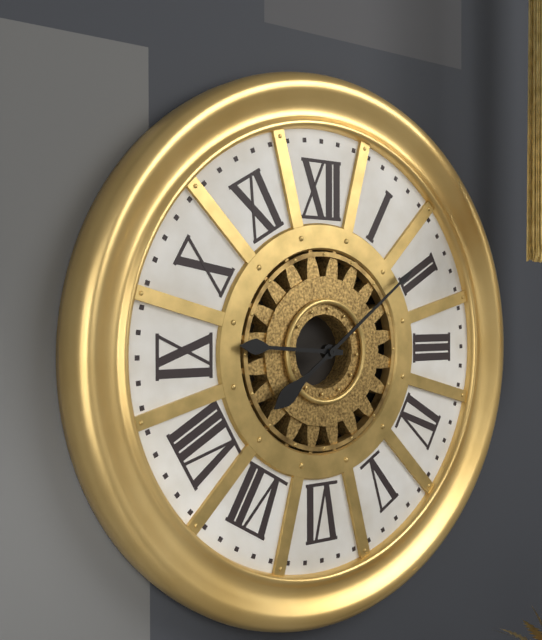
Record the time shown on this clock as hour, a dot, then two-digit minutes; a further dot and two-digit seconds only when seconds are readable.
9.09
